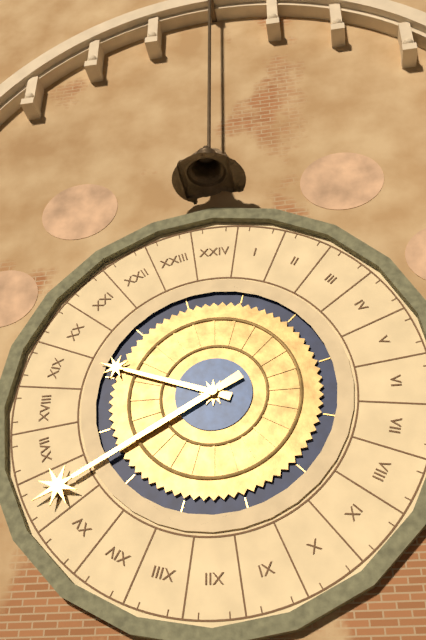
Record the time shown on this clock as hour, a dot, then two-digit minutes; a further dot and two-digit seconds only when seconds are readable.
9.40
